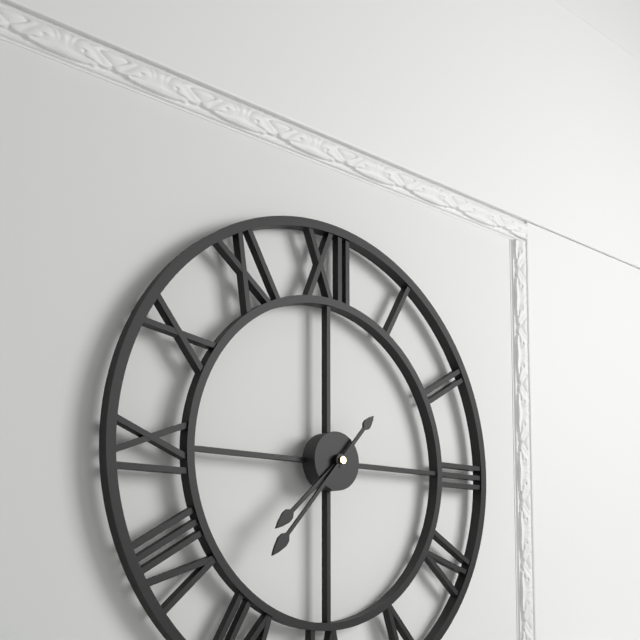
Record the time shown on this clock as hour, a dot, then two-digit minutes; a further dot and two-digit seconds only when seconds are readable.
7.37
